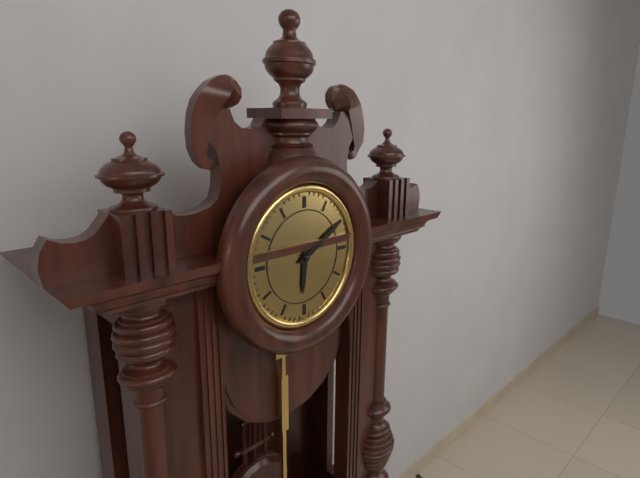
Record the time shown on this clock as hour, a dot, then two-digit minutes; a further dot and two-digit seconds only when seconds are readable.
6.10
